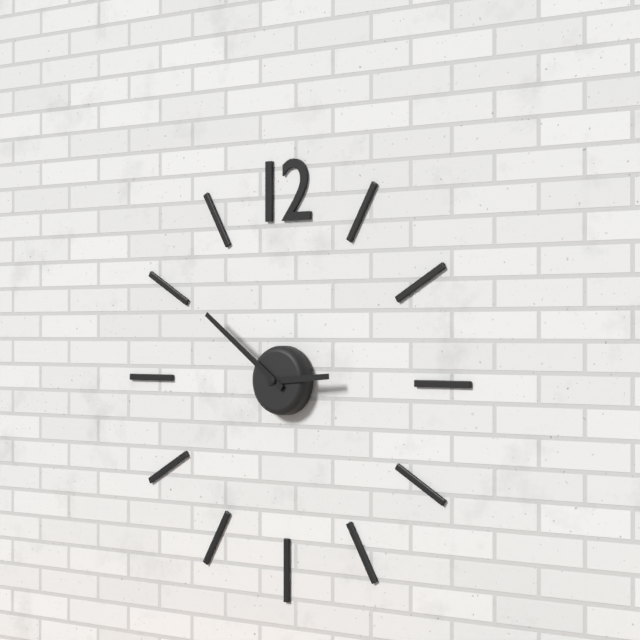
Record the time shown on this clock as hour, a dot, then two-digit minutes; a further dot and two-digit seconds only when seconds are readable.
2.51
